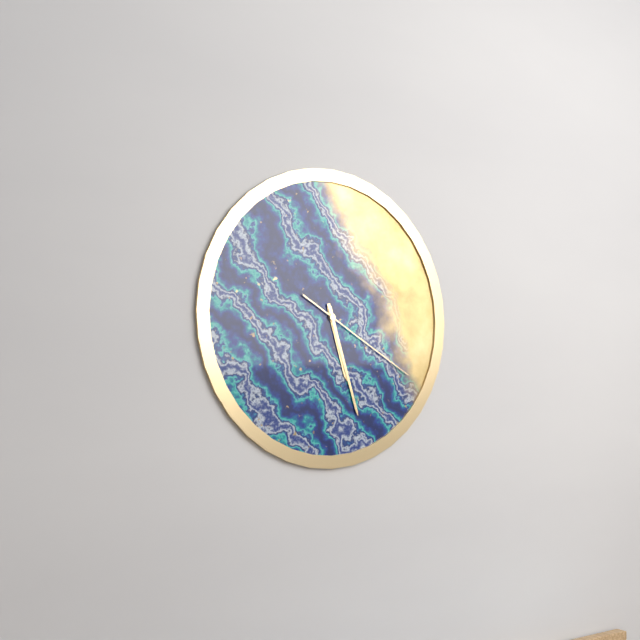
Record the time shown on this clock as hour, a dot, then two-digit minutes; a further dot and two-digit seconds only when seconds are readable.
5.27.20
